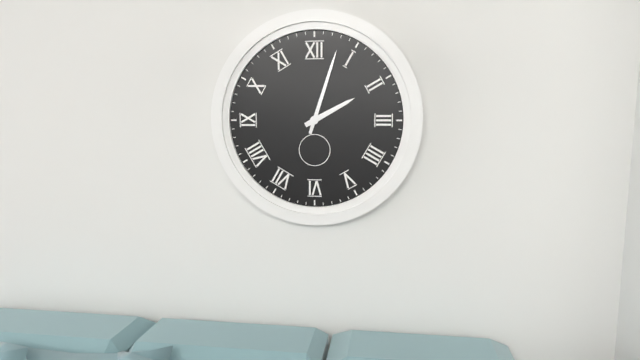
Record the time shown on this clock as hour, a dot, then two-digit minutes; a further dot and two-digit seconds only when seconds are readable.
2.03
